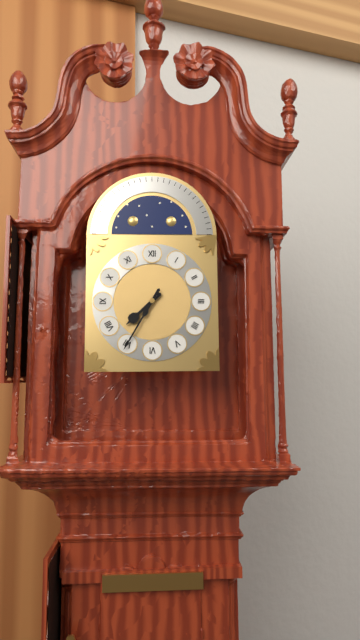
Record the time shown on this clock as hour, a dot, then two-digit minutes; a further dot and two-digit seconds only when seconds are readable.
7.35
